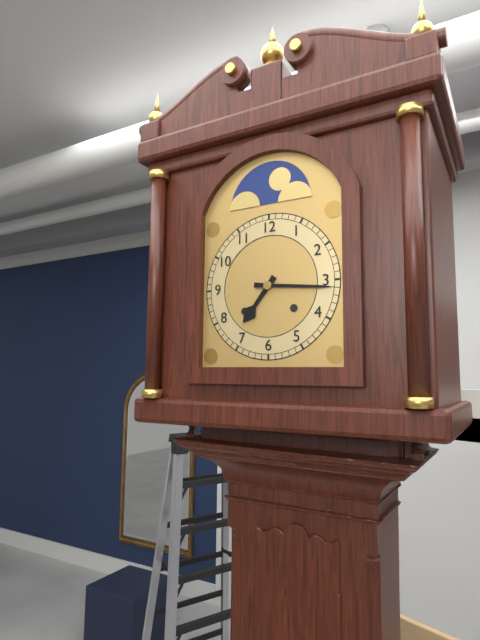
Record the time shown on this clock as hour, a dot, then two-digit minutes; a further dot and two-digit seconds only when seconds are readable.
7.16
